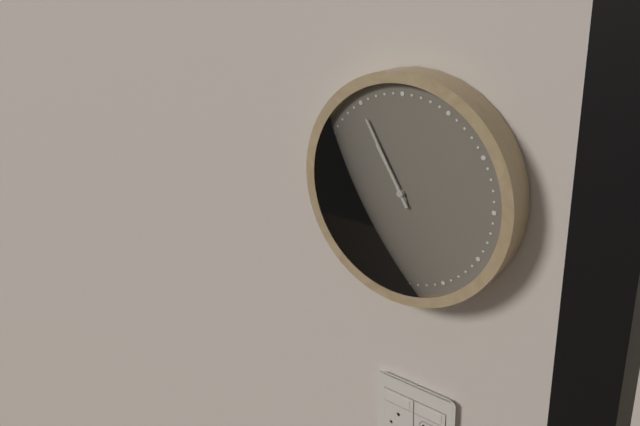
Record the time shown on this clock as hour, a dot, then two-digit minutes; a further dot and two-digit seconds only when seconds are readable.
10.55
